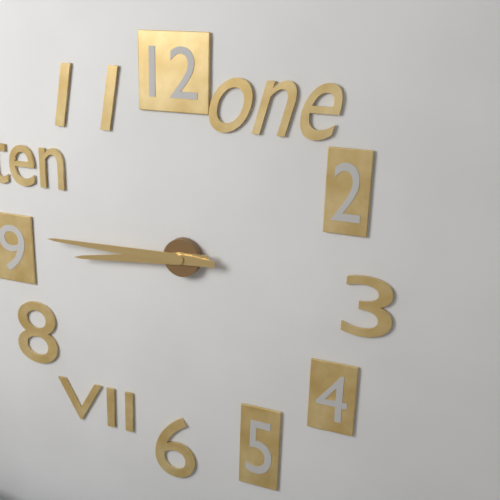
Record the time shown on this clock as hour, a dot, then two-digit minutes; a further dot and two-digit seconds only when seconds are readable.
8.45
